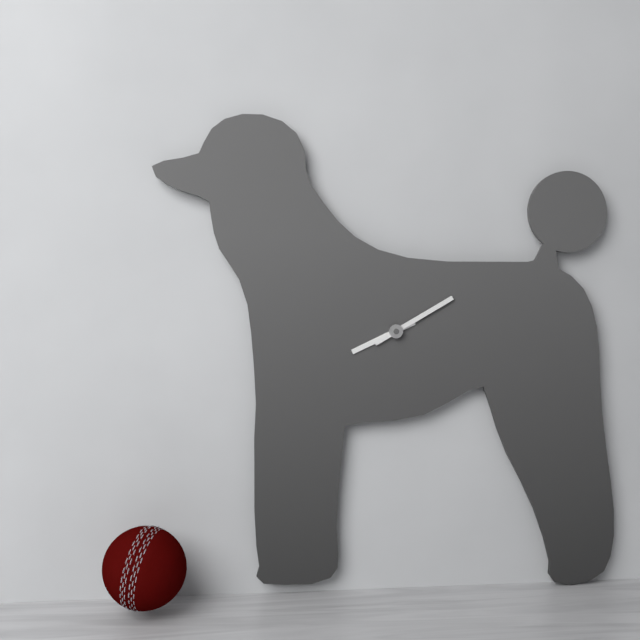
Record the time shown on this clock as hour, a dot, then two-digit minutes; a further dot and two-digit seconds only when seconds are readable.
8.10
